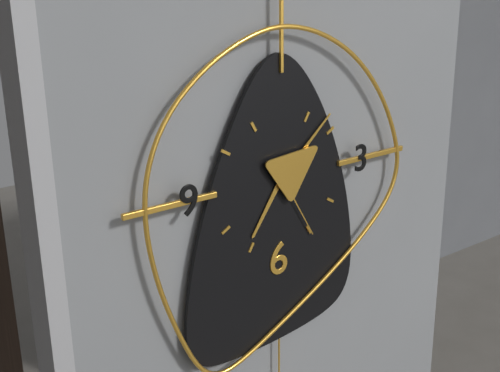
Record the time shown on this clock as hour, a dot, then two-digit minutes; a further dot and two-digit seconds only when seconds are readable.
7.08.25
